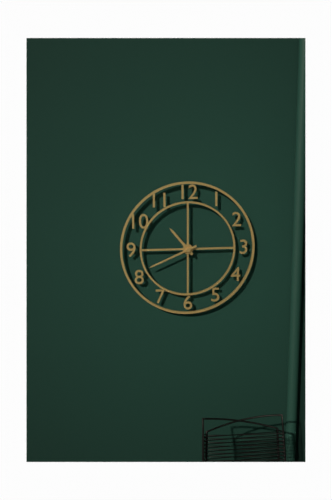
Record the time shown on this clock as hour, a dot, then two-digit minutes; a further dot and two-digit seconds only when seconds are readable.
10.41
